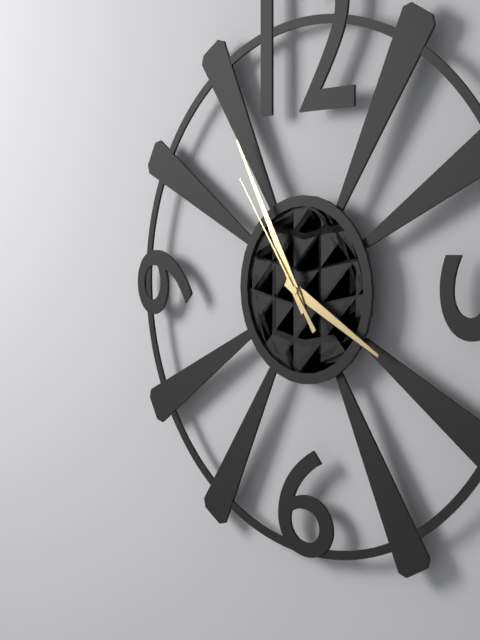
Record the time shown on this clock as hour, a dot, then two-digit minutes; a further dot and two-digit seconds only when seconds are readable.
3.55.54
